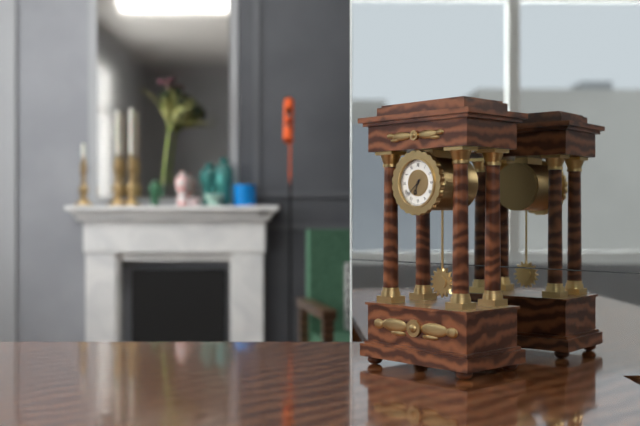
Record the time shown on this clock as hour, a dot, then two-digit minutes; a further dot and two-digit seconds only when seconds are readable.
6.38
